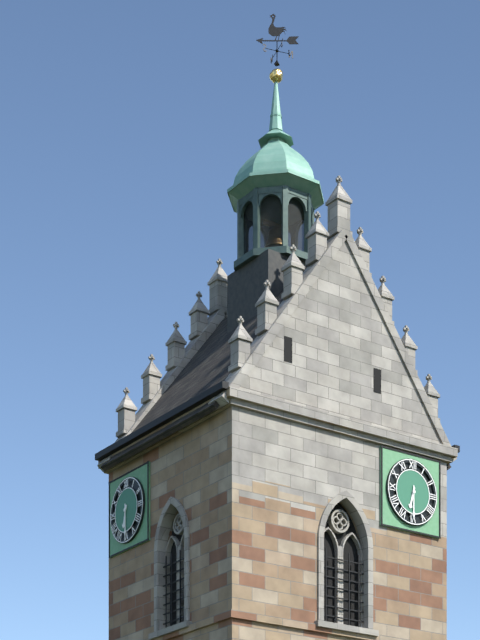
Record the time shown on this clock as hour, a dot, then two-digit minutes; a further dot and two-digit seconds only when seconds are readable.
6.30
